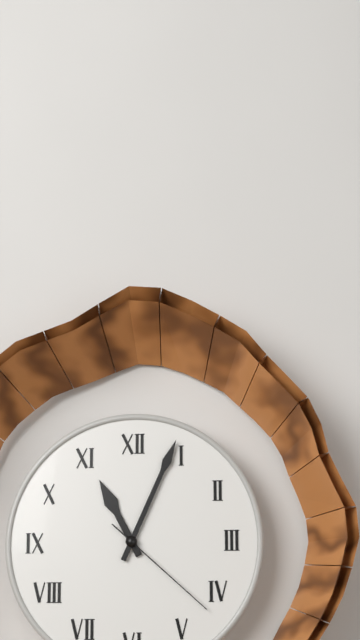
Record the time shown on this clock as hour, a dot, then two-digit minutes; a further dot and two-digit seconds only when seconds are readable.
11.04.22
